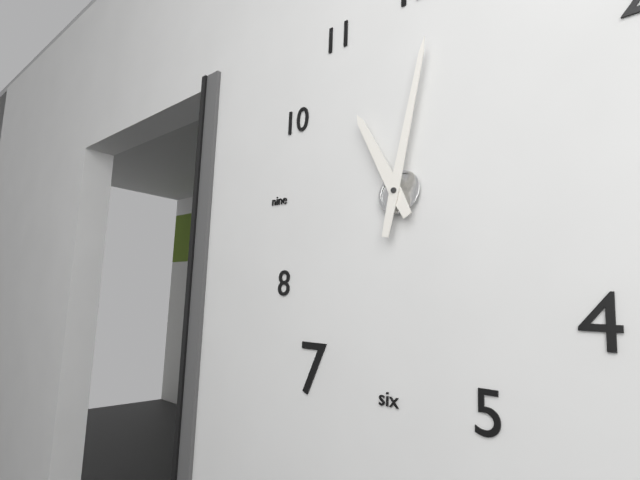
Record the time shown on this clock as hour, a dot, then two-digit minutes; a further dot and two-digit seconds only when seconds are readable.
11.02
